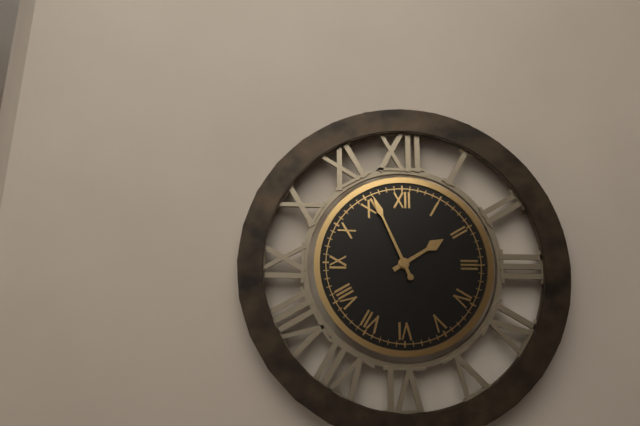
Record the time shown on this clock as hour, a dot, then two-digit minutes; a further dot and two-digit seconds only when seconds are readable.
1.56
